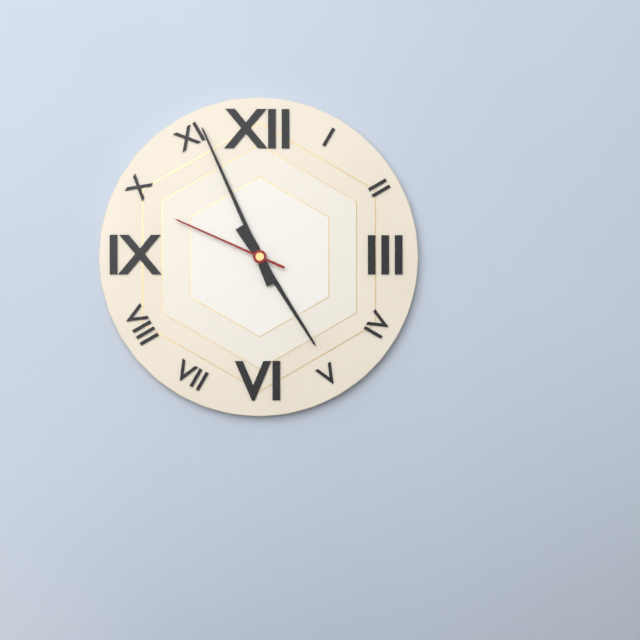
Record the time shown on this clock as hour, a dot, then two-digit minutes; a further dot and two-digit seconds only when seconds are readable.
4.56.49
